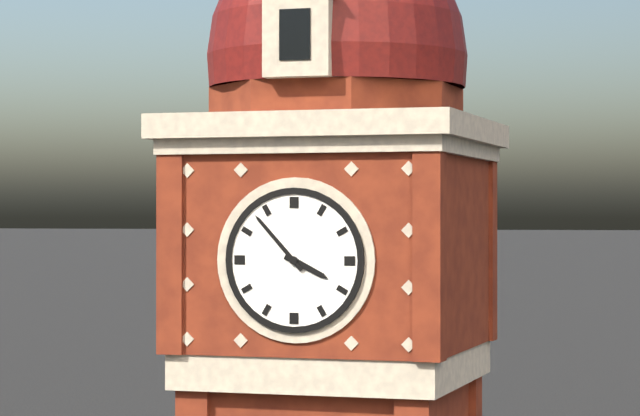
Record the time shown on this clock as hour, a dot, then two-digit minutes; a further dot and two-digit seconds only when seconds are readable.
3.53
